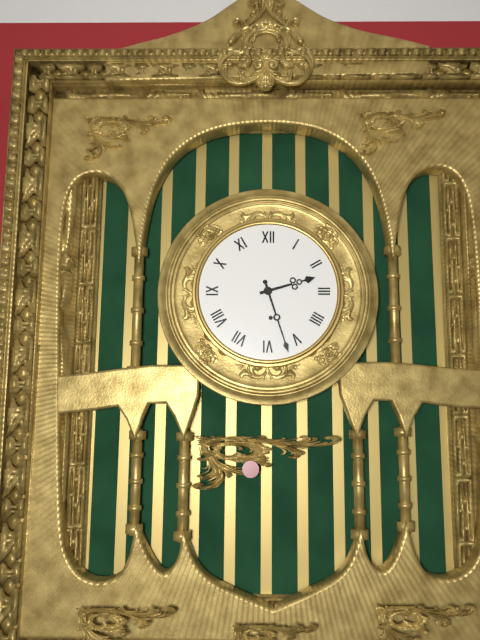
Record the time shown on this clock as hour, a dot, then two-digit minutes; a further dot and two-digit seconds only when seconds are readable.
2.27
